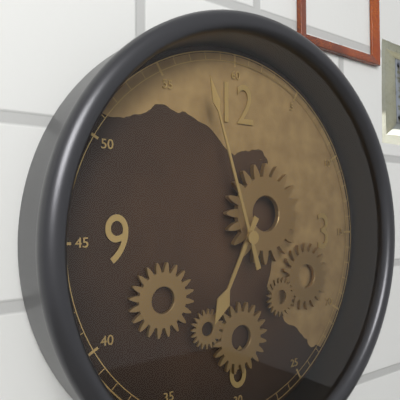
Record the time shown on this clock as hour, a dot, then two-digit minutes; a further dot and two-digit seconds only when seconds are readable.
6.57
